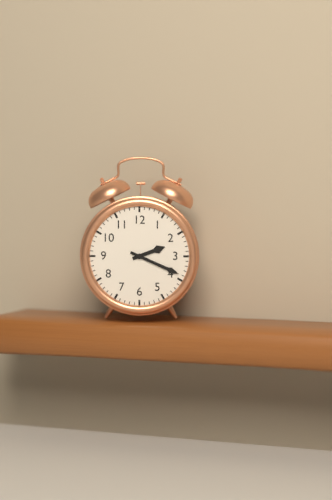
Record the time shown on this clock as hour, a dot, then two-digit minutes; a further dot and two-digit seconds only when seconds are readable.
2.19
